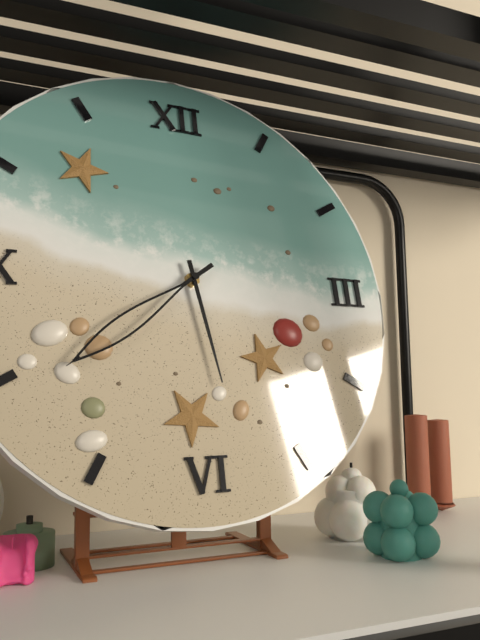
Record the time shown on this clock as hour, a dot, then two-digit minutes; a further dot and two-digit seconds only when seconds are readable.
5.39
